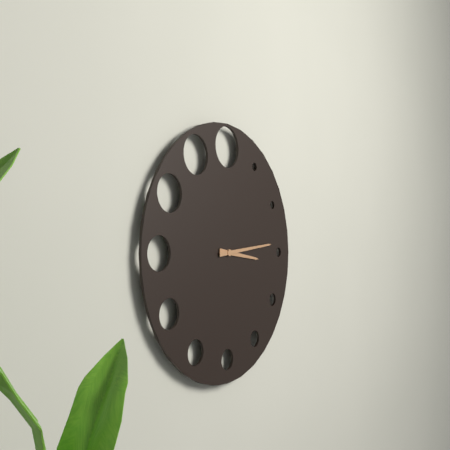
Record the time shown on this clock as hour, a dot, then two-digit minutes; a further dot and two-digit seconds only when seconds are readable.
3.14
